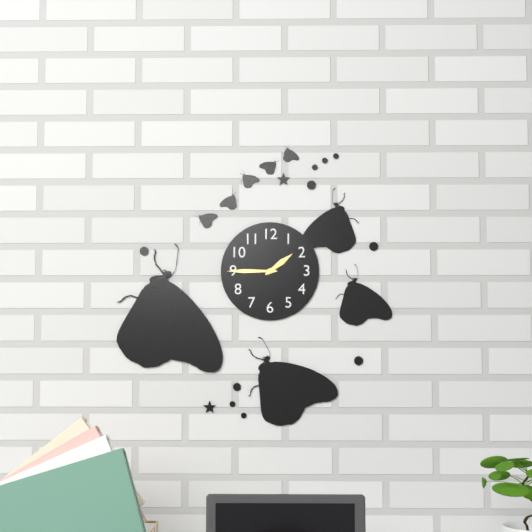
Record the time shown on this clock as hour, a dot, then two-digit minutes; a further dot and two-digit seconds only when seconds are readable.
1.45
